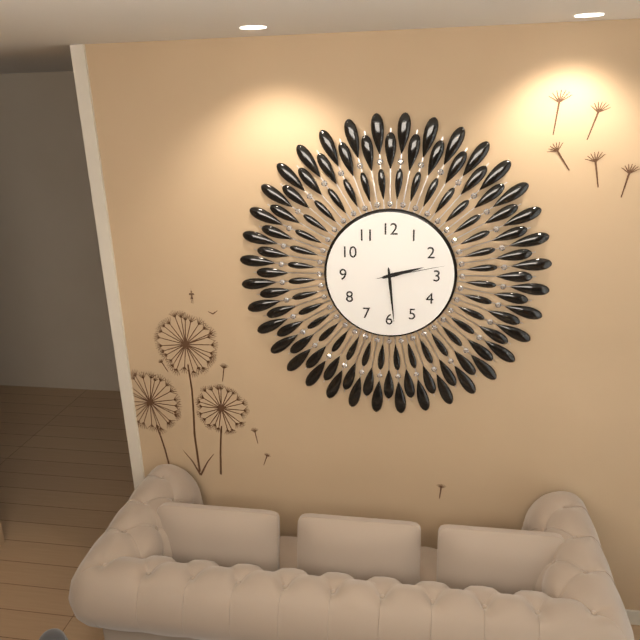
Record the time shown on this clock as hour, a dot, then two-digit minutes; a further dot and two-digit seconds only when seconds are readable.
2.29.13
